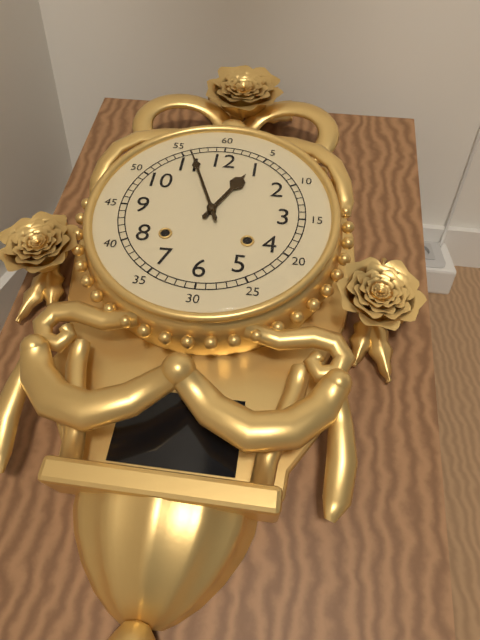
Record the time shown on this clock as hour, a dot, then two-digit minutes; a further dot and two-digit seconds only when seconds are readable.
12.56
